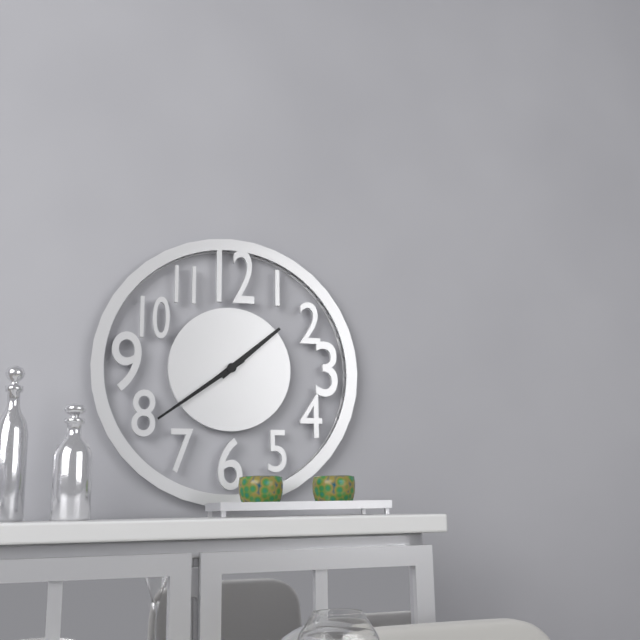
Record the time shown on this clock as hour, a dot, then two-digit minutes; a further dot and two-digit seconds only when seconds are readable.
1.39
